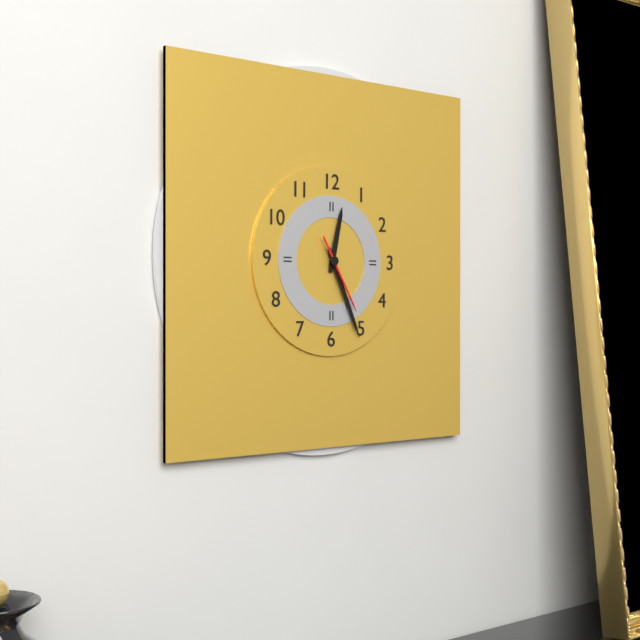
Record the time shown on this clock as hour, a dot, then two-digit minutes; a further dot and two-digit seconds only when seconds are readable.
12.26.25
